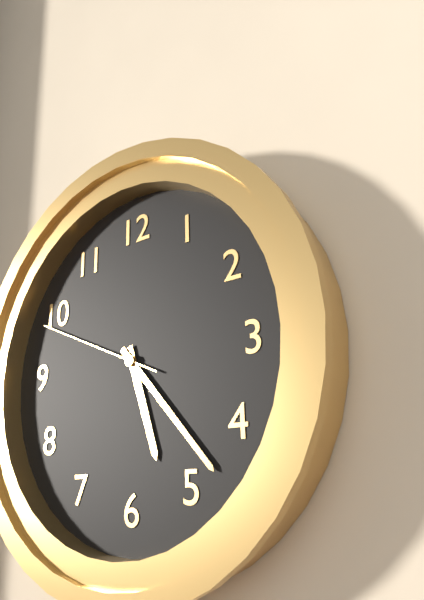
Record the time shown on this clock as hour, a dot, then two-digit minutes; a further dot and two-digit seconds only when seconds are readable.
5.23.49
